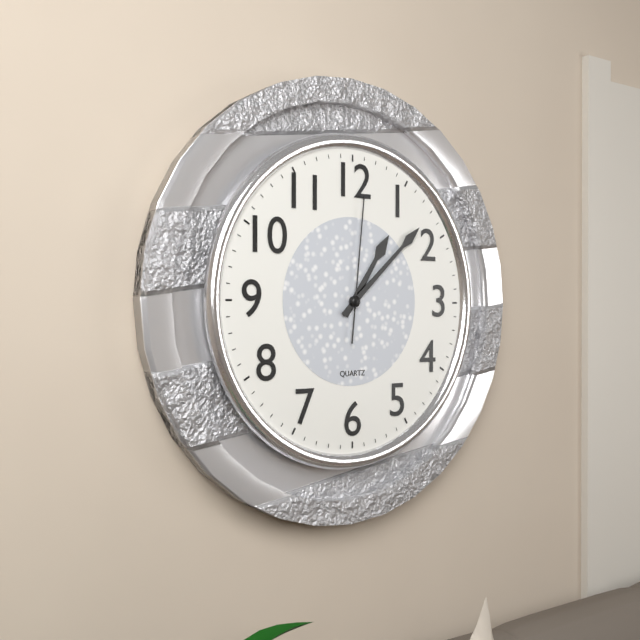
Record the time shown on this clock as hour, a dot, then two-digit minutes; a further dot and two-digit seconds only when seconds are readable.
1.08.01
